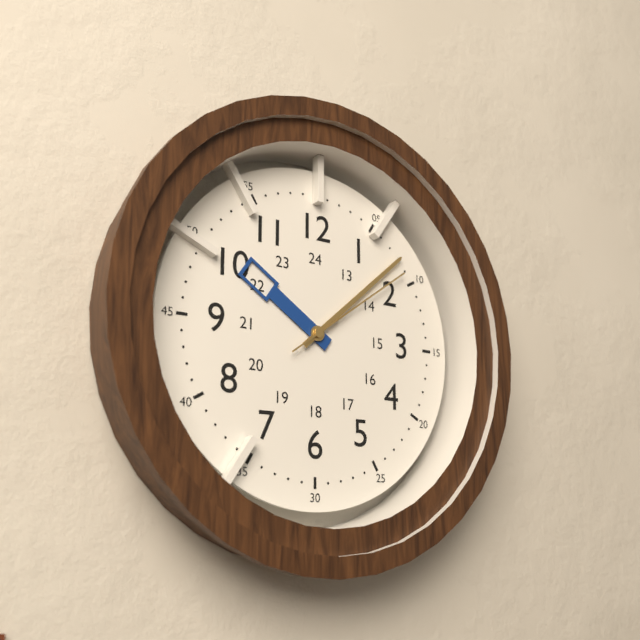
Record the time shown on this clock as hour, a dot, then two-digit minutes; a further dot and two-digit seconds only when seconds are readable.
10.08.09
